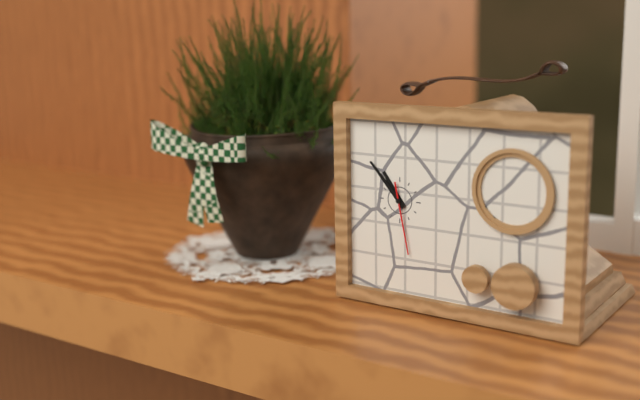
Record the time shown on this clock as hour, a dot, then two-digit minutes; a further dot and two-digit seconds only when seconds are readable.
10.53.28
